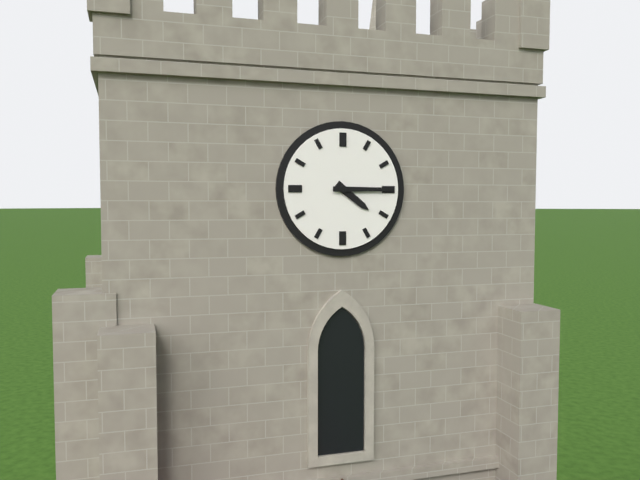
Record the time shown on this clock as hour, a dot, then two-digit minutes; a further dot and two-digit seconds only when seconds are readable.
4.15
